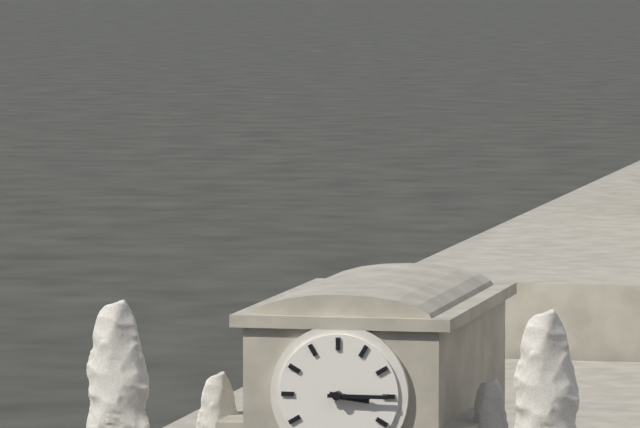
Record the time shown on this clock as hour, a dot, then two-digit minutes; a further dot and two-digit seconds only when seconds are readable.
3.15
